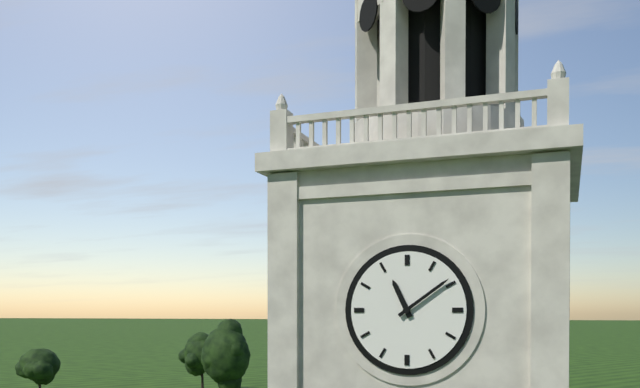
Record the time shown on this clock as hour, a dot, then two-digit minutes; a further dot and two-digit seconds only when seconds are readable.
11.09
